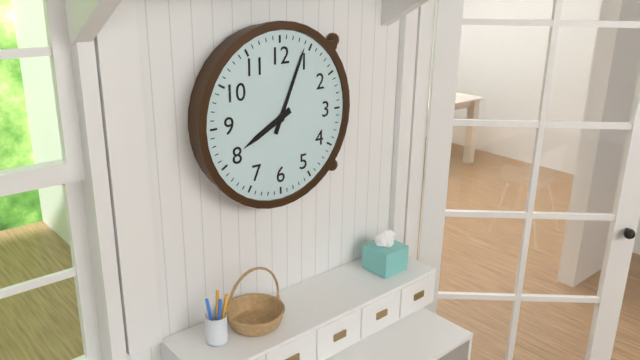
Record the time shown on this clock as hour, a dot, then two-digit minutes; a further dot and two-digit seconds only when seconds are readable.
8.04
